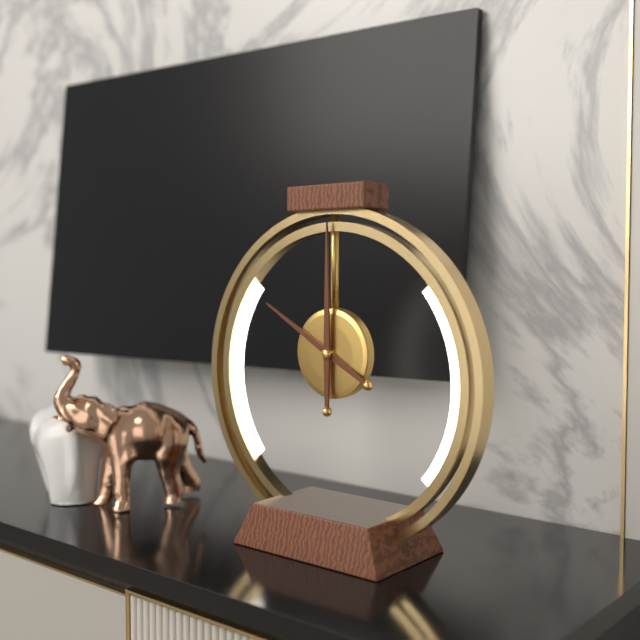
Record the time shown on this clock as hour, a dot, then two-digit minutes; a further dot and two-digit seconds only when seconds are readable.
10.00
